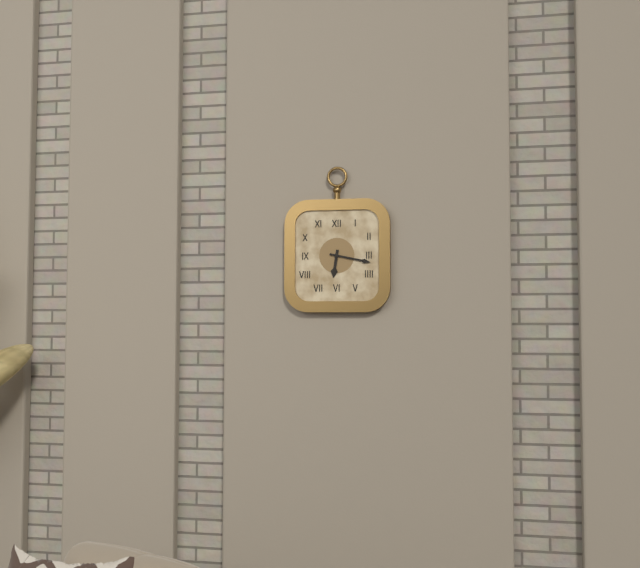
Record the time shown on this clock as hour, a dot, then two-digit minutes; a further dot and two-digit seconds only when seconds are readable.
6.17
